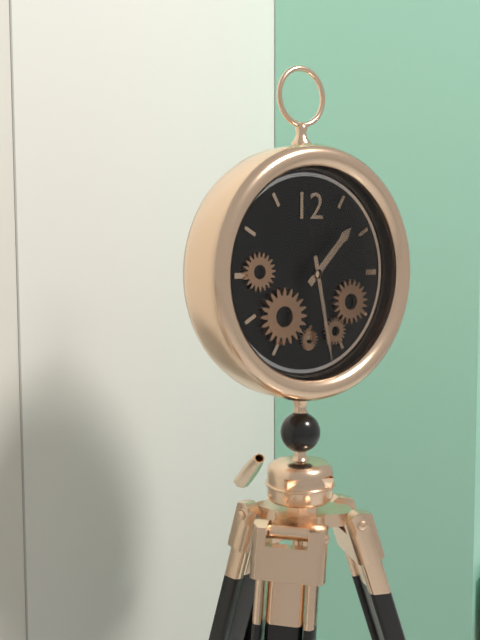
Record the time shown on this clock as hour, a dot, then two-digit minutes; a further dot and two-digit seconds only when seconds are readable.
1.28
